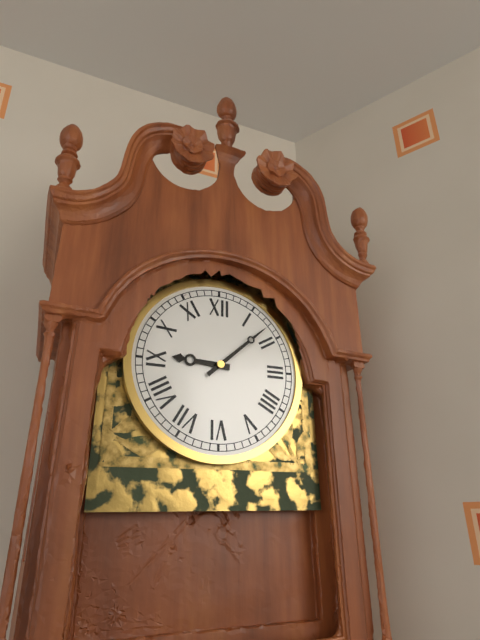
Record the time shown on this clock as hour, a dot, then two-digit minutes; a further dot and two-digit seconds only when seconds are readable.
9.08
